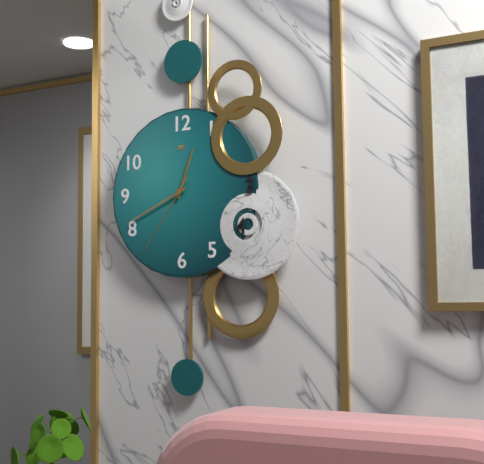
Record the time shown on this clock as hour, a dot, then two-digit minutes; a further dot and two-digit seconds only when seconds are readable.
12.41.36
